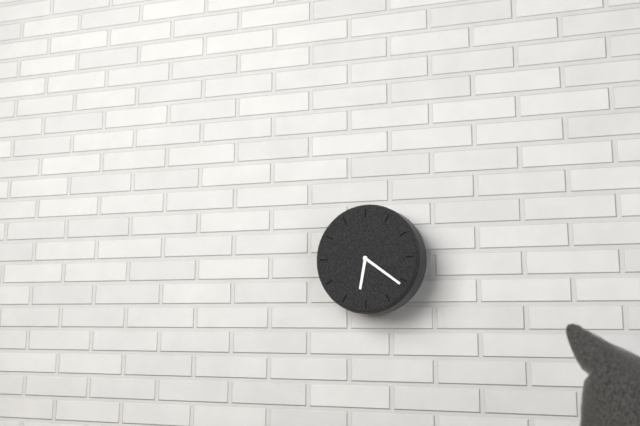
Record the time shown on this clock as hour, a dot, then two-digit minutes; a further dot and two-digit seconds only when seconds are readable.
6.21
